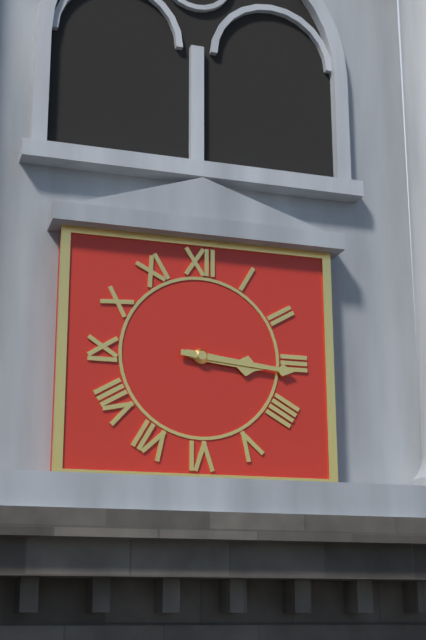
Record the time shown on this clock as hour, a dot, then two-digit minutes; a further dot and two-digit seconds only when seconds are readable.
3.16
